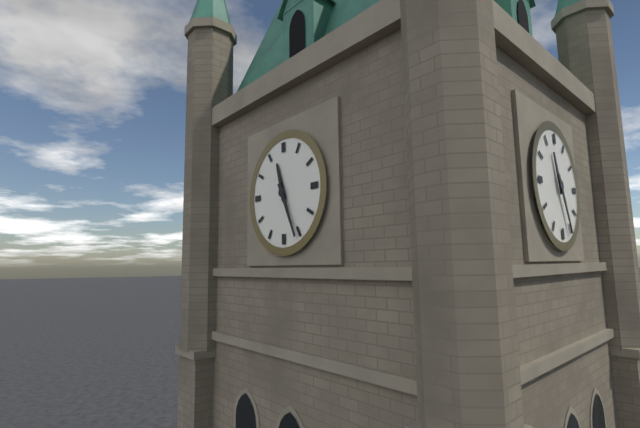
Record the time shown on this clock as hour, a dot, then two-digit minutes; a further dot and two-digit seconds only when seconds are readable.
11.26
